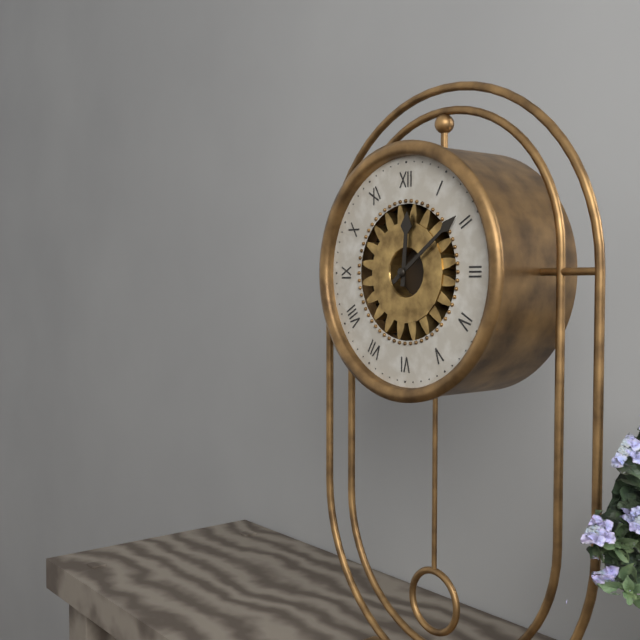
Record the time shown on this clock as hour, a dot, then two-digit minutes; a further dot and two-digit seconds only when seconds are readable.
12.09
